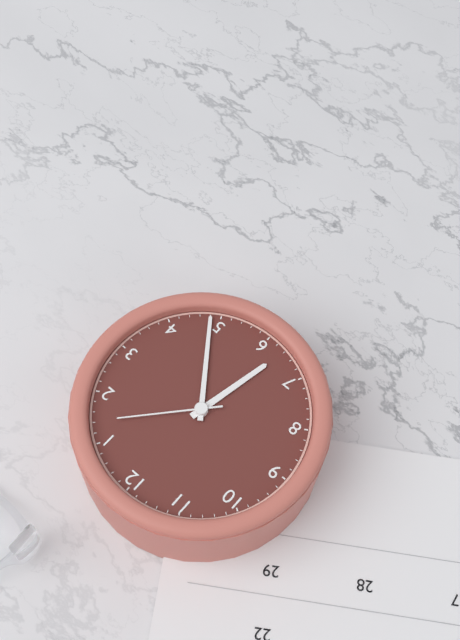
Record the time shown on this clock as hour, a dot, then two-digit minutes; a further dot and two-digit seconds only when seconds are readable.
6.24.07
